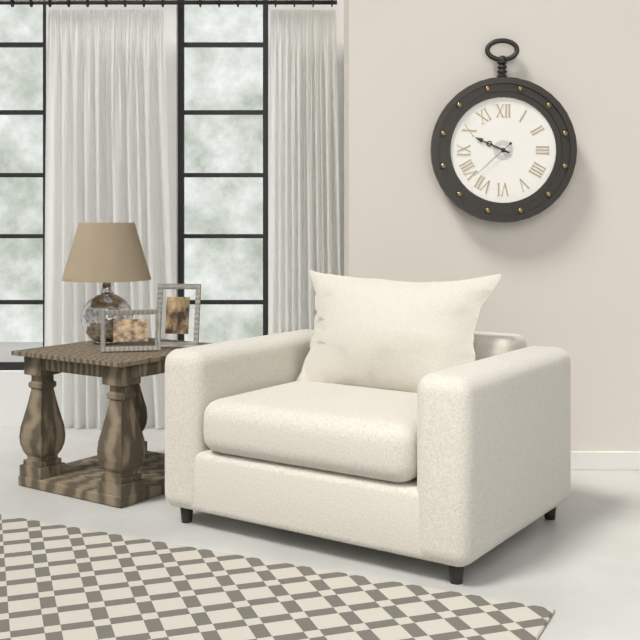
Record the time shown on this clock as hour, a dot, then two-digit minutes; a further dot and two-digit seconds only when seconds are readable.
9.49
